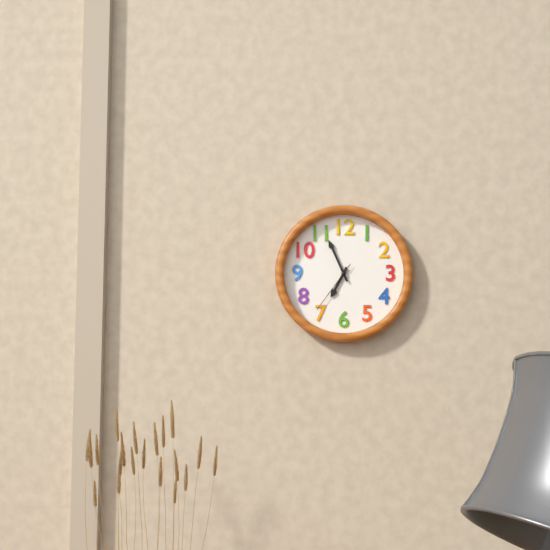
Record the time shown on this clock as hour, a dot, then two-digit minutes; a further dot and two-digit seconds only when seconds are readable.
6.56.36
